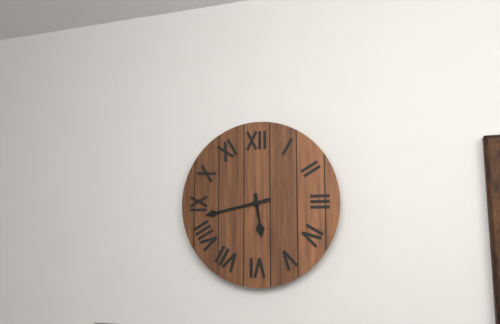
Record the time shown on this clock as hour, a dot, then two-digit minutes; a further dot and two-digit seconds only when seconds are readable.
5.43
